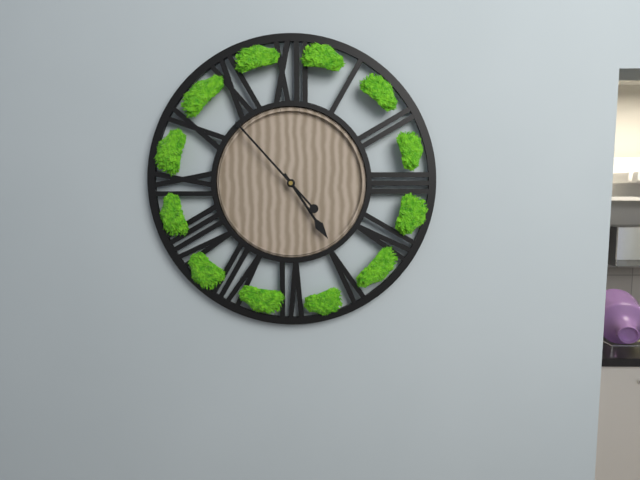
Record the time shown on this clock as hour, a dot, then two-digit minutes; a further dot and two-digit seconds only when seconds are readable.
4.53
